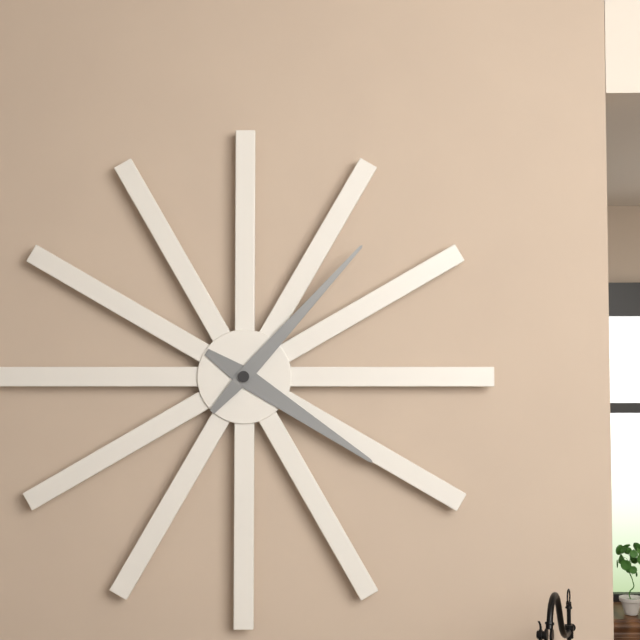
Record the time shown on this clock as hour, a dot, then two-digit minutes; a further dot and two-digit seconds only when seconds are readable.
4.07
